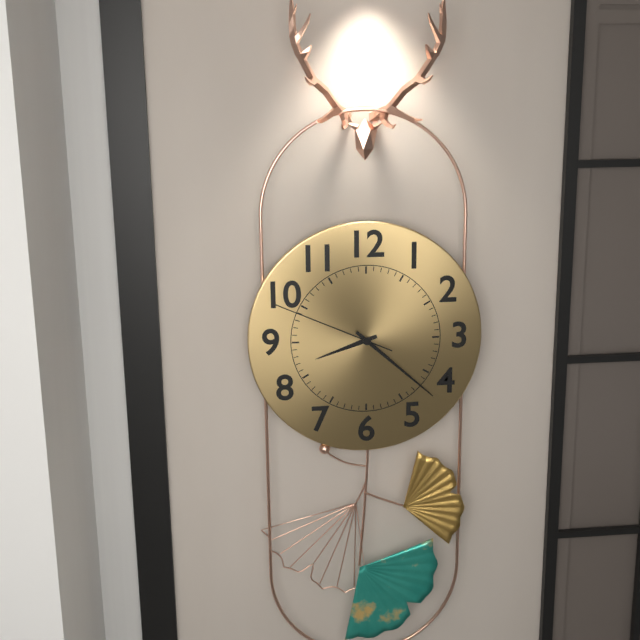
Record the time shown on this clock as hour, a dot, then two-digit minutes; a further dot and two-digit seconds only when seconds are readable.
8.22.49
